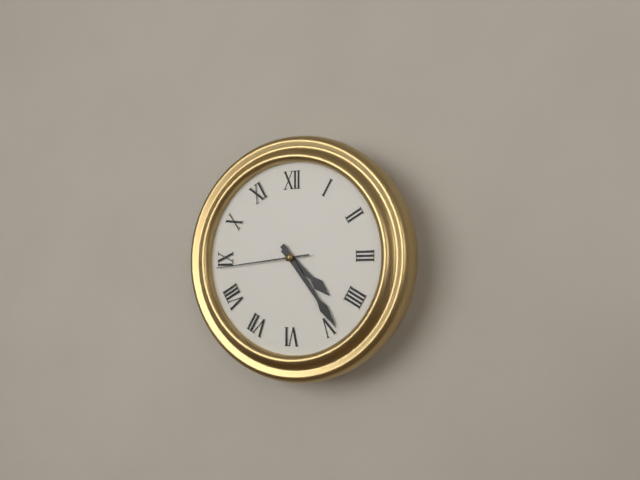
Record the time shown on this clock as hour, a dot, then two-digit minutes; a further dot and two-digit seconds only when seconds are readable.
4.24.44
